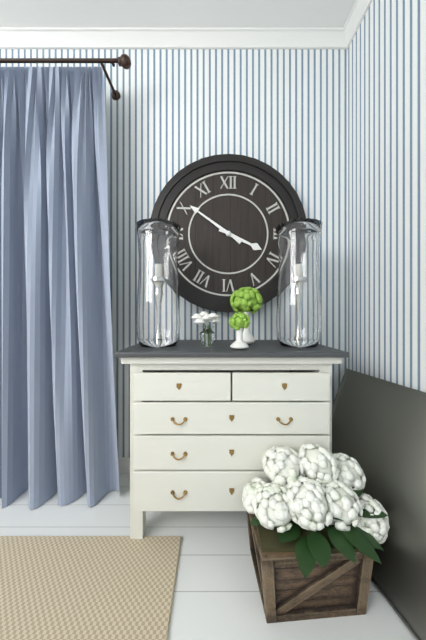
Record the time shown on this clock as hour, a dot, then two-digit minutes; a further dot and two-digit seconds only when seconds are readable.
3.51
